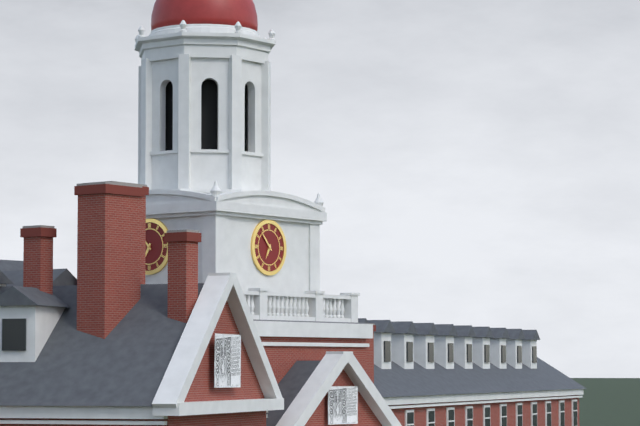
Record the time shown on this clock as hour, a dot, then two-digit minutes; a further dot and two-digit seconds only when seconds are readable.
6.53
